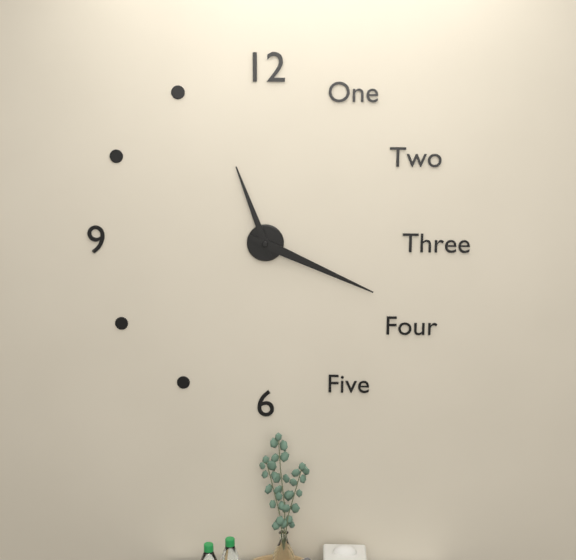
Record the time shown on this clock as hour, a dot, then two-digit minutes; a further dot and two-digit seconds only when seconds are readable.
11.19
